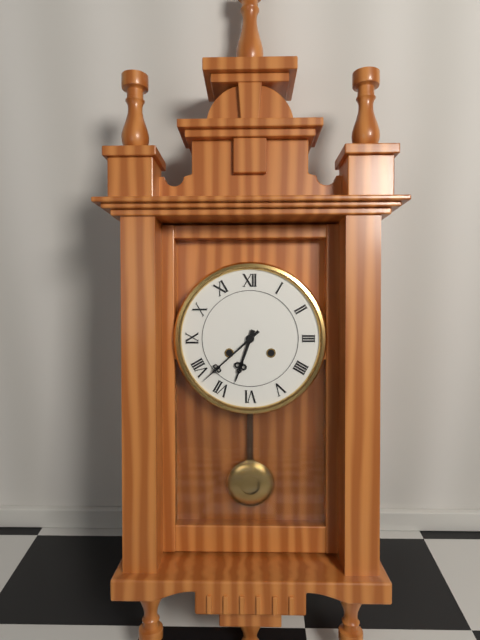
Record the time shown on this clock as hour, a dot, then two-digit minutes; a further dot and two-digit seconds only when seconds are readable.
6.38
